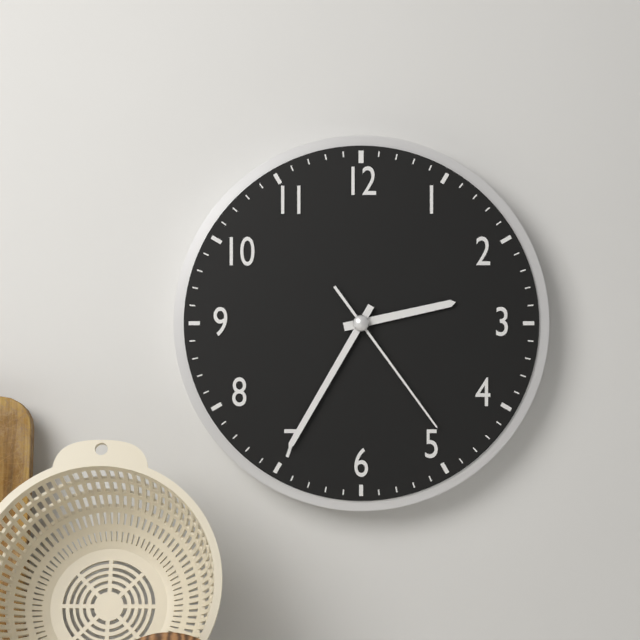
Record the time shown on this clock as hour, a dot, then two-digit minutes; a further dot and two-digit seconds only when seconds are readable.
2.35.24
